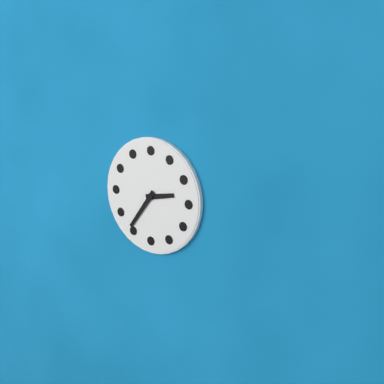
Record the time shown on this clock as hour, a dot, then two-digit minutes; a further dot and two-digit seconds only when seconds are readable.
2.36
